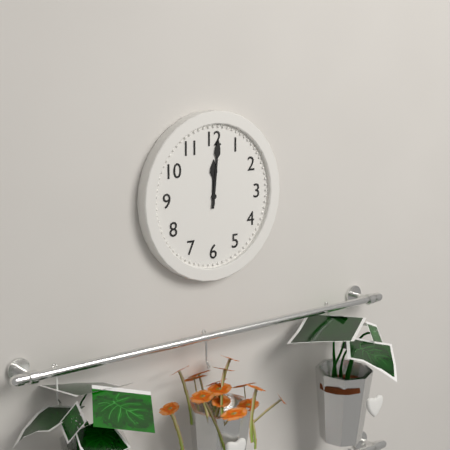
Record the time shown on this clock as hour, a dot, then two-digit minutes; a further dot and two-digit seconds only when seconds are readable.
12.01
